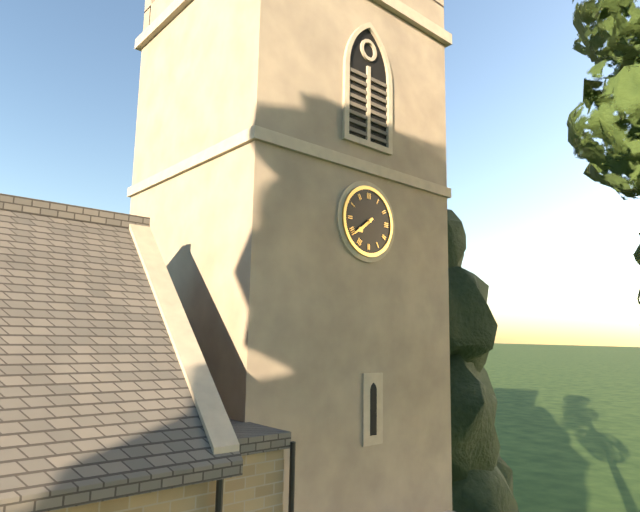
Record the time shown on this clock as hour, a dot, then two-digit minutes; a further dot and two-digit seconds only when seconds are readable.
7.39
